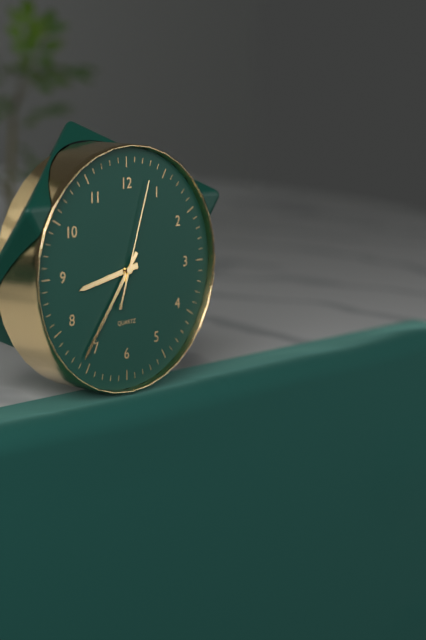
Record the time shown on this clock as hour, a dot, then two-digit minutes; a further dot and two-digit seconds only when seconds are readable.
8.36.03
